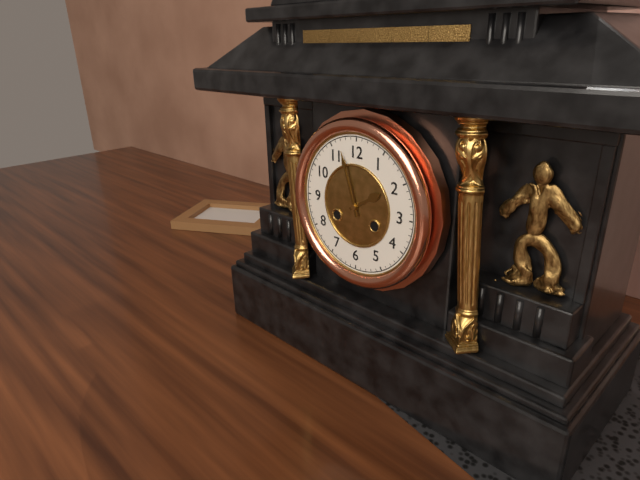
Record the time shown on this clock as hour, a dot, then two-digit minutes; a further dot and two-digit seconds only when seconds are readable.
1.57
